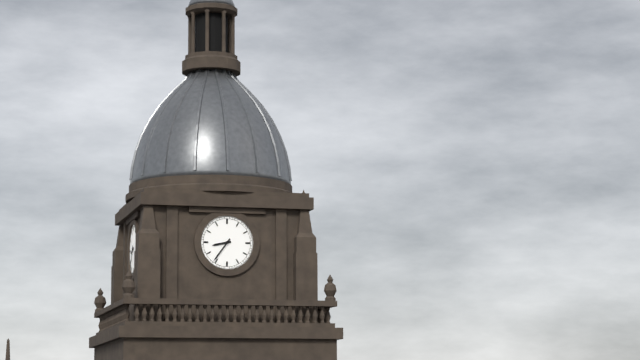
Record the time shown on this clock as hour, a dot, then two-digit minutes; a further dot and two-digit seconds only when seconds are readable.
8.36
